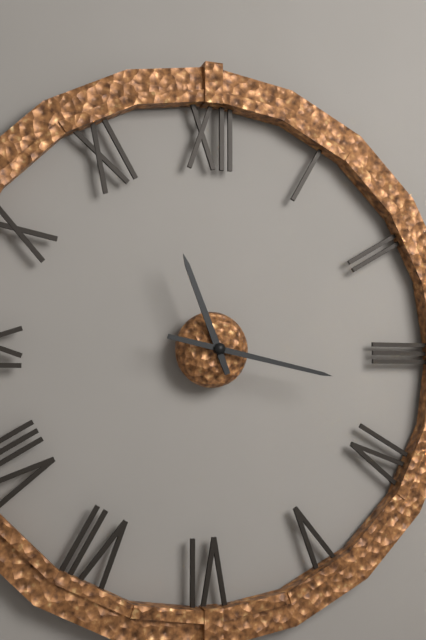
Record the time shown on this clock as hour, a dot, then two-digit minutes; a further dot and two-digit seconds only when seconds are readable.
11.17
